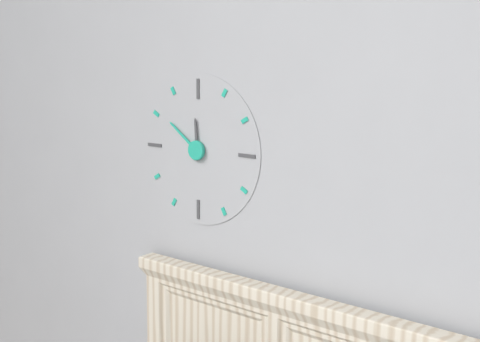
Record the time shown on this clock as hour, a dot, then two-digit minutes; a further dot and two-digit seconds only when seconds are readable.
11.51
